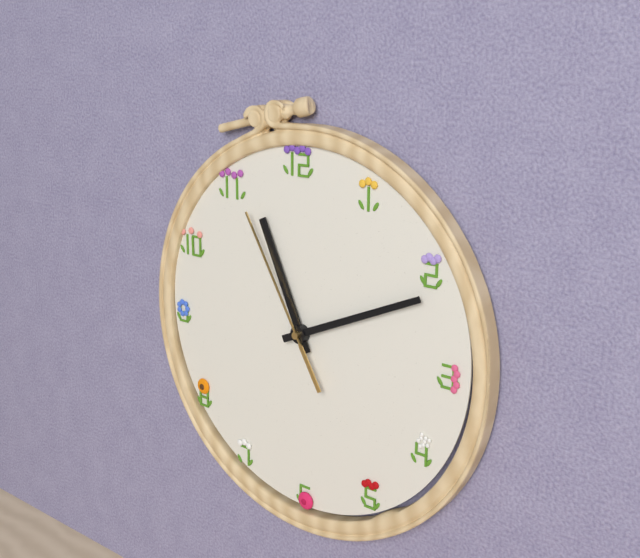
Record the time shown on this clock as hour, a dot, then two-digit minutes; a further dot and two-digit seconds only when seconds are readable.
11.11.55
